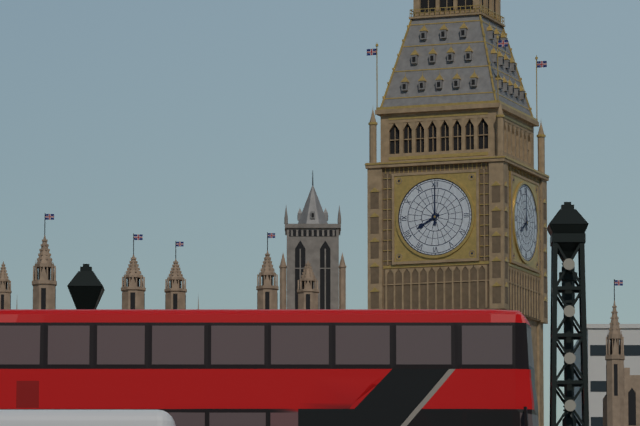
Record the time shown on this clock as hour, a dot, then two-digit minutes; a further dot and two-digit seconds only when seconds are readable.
8.00
